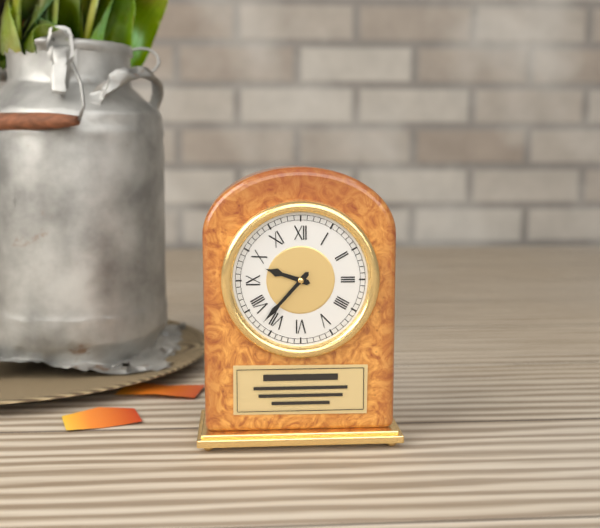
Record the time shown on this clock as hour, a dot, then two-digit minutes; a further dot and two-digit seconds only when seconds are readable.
9.37
